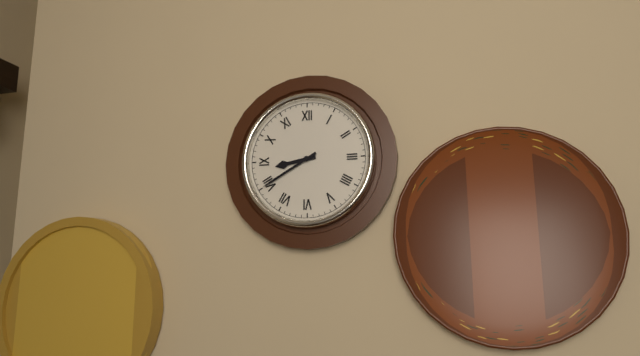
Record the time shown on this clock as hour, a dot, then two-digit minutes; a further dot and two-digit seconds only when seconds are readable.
8.40
